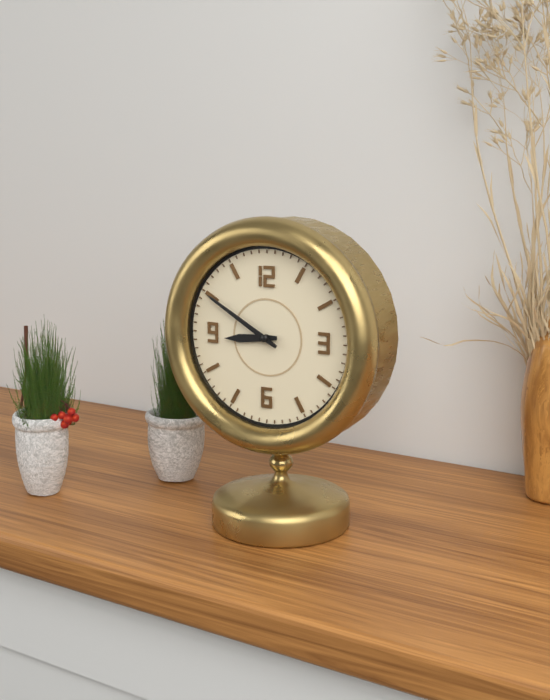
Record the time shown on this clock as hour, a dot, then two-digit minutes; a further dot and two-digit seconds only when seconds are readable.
8.50
